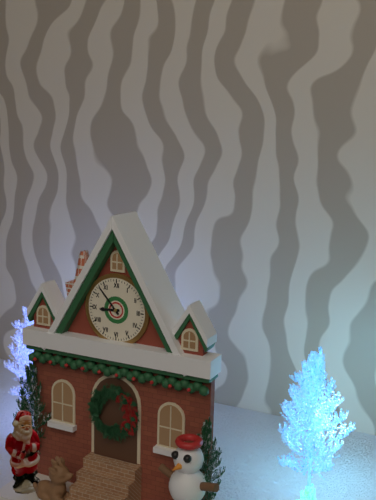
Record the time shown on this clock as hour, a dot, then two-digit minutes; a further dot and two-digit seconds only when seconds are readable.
8.53
